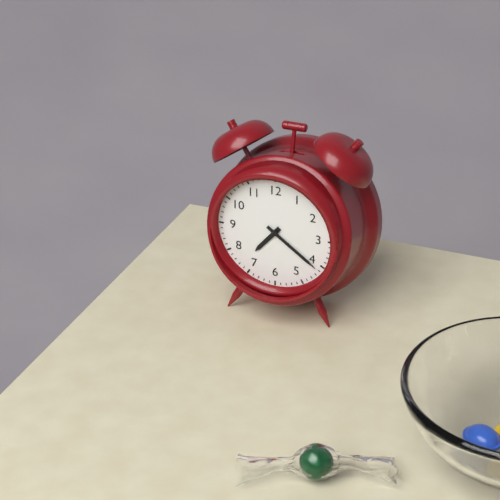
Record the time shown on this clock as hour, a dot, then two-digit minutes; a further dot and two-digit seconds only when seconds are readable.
7.21
